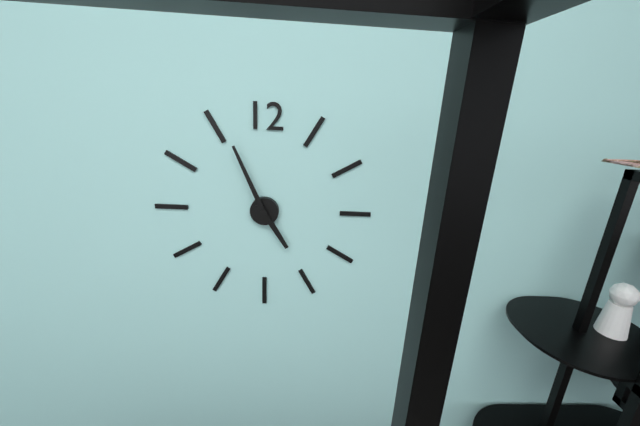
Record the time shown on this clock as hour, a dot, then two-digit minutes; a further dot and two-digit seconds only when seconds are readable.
4.56
